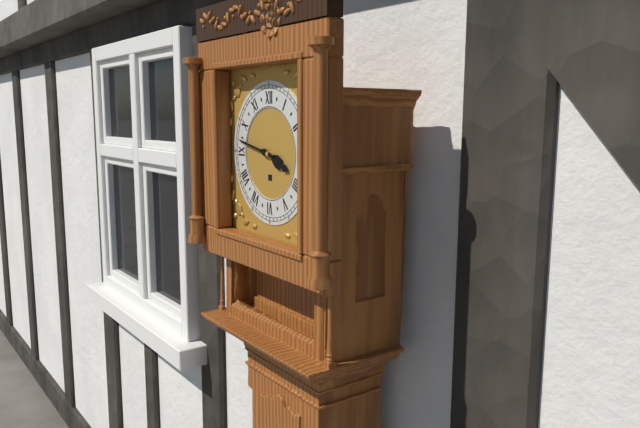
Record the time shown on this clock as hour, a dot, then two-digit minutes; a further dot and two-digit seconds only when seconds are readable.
3.47
